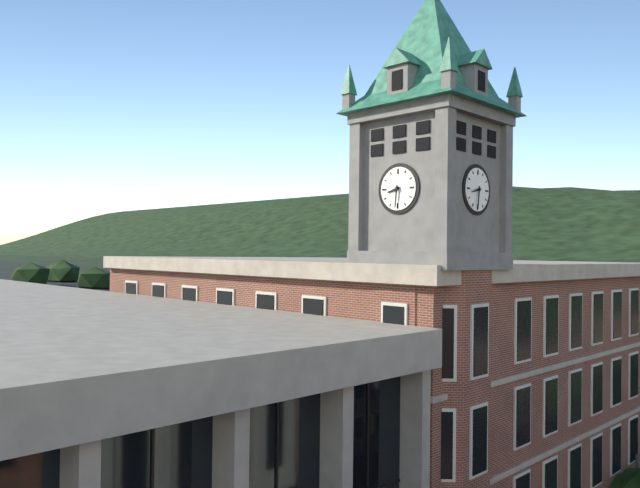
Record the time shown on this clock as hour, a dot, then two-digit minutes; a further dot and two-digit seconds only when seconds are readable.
8.31
